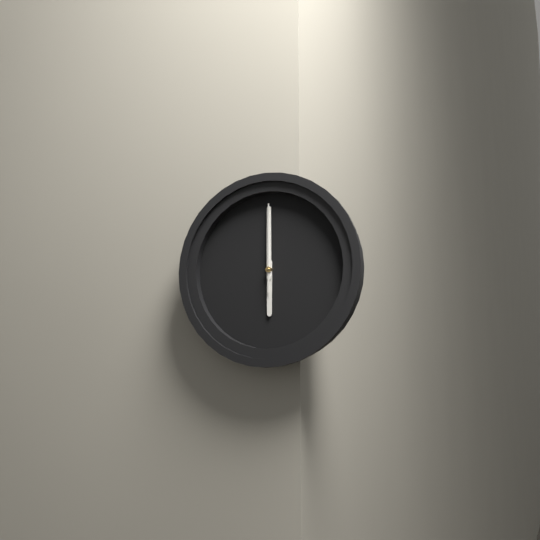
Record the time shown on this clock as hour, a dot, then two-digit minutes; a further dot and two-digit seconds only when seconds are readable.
6.00.00
